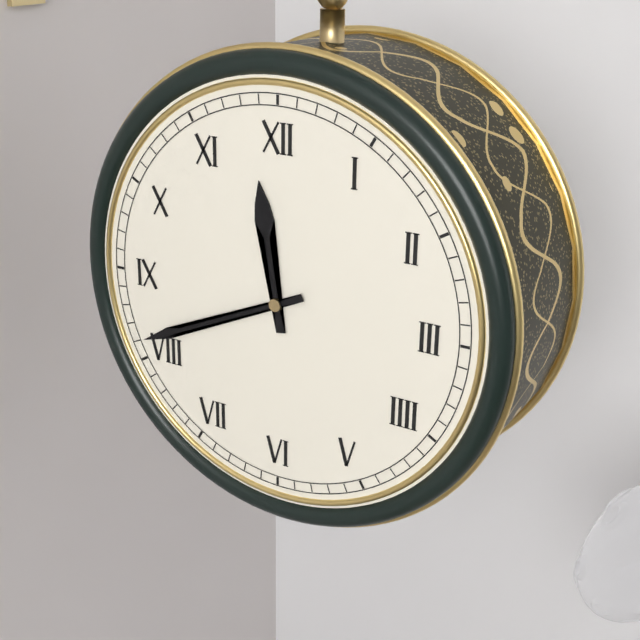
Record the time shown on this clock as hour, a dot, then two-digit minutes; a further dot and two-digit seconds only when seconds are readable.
11.41
